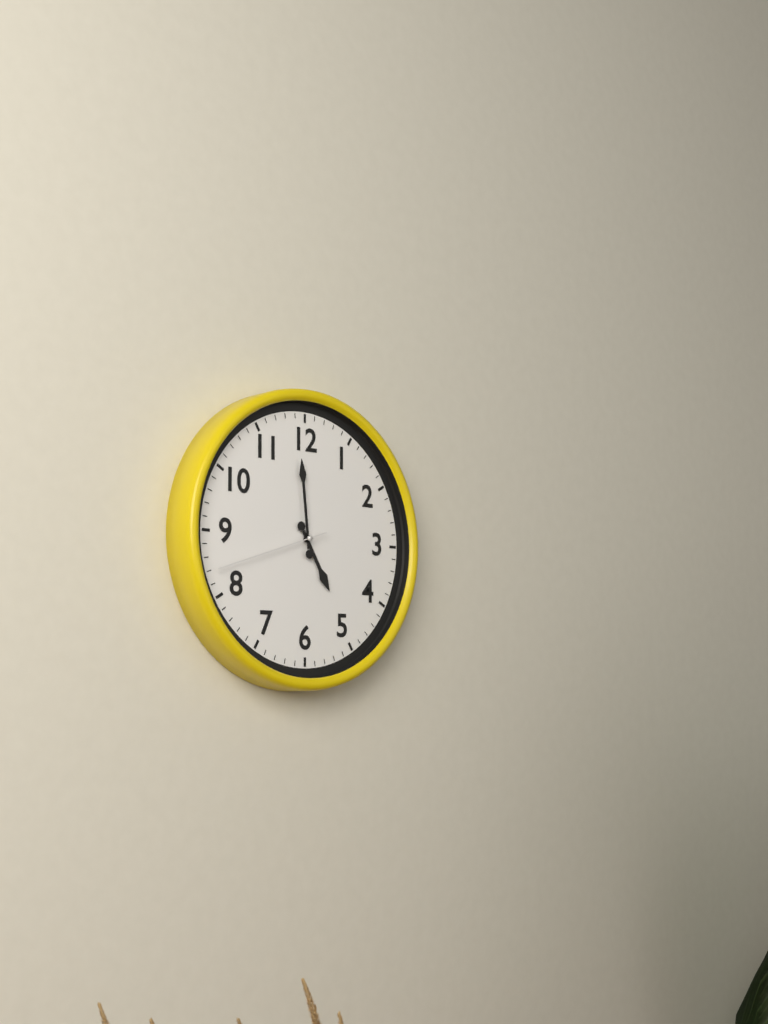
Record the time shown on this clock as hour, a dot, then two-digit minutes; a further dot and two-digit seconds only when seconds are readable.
4.59.42
